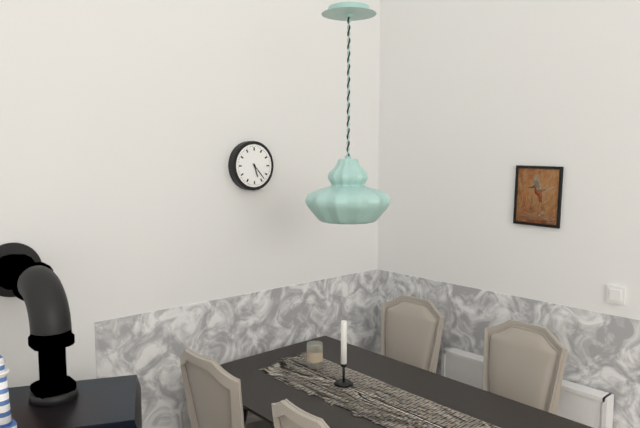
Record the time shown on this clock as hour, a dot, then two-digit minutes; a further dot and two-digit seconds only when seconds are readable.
5.23
